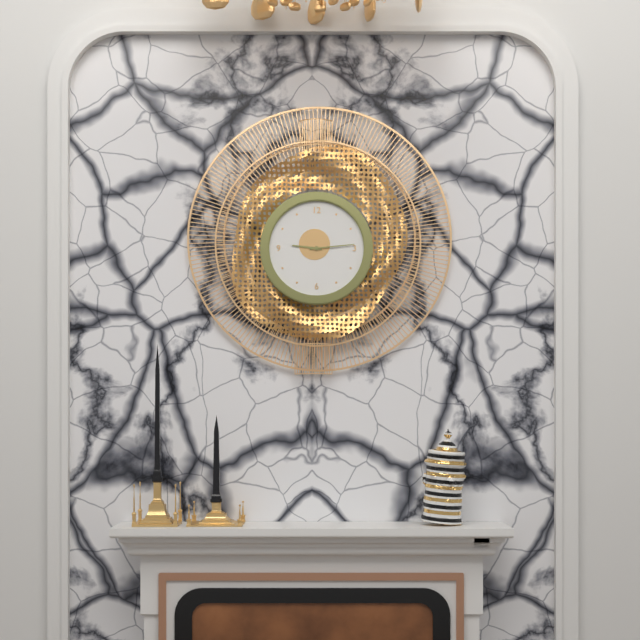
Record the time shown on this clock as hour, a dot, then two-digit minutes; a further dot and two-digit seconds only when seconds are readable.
9.14
